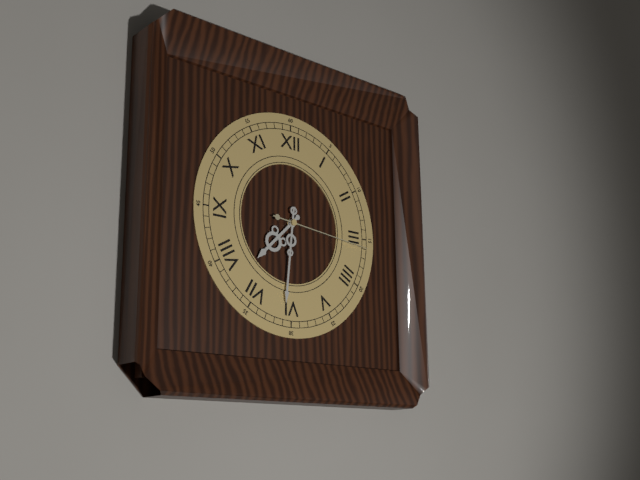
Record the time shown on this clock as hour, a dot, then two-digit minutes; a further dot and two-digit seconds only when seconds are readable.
7.31.16
